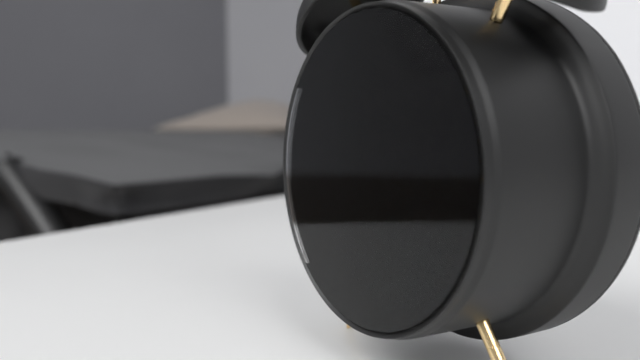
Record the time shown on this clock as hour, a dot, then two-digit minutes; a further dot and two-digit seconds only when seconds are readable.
11.18.49
